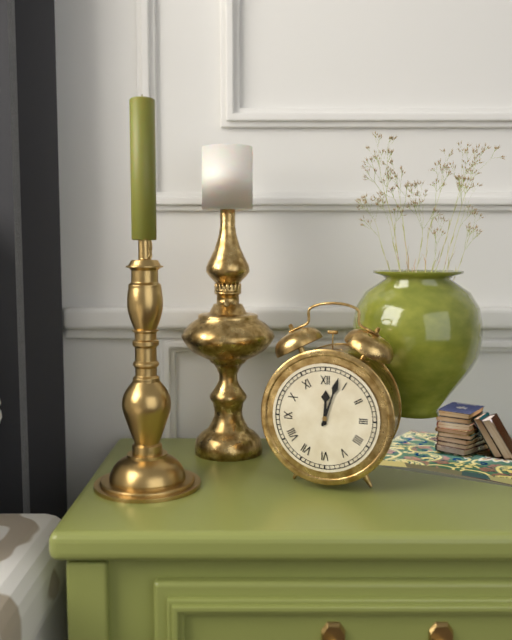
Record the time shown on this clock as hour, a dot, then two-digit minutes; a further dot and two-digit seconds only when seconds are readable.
12.03
